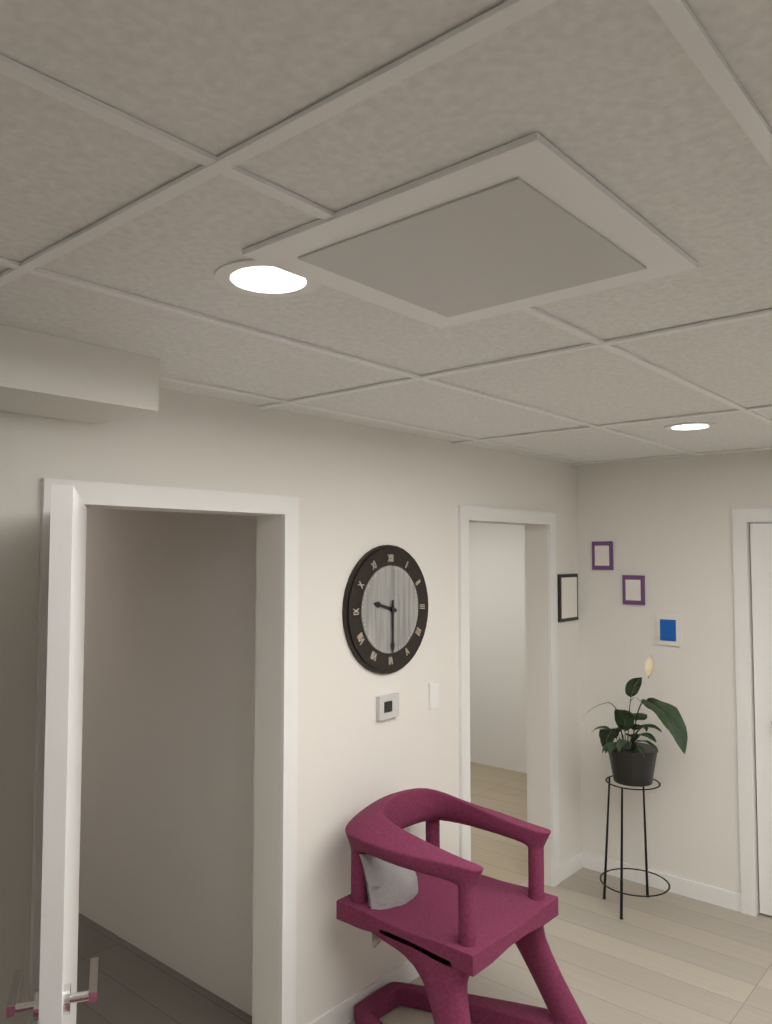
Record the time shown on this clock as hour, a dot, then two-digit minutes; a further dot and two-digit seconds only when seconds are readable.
9.30
